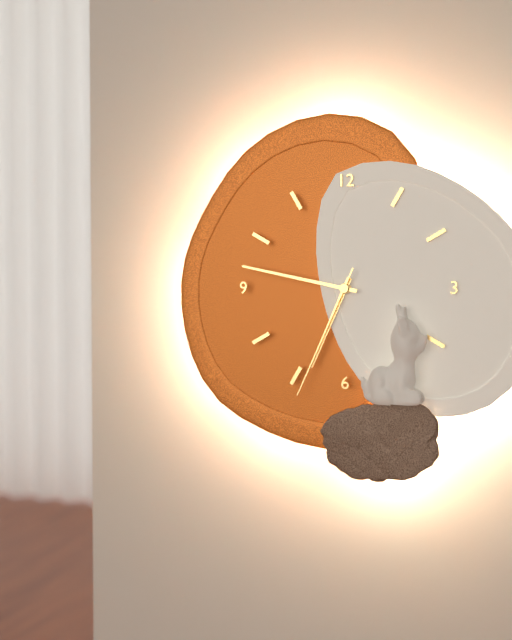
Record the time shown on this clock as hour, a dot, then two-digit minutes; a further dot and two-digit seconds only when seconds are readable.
6.47.34
